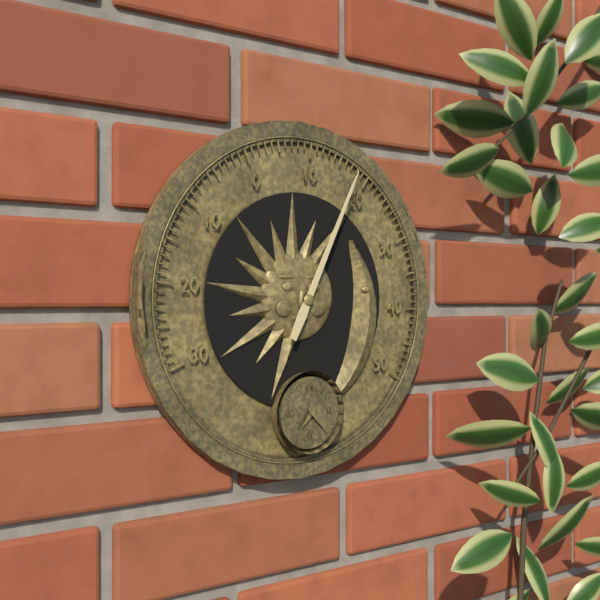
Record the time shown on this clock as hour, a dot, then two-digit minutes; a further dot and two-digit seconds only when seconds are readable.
7.23
